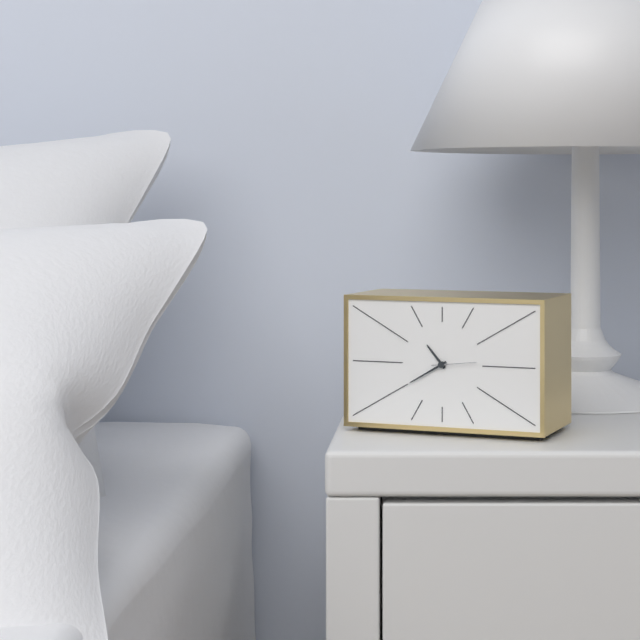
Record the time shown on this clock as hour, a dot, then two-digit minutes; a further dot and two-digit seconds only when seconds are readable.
10.40
